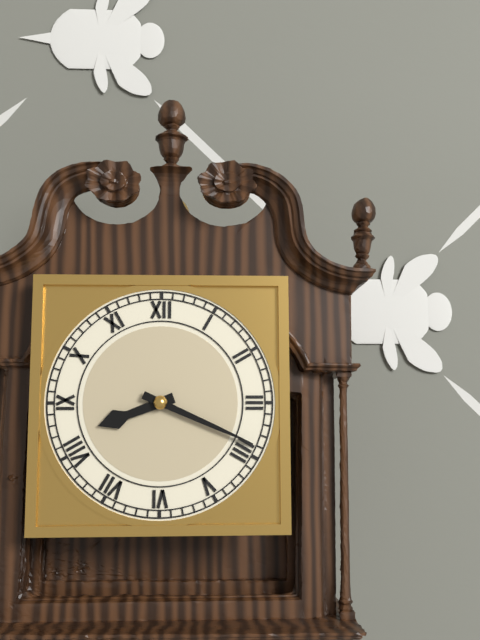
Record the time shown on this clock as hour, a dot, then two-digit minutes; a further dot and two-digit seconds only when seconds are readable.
8.19
